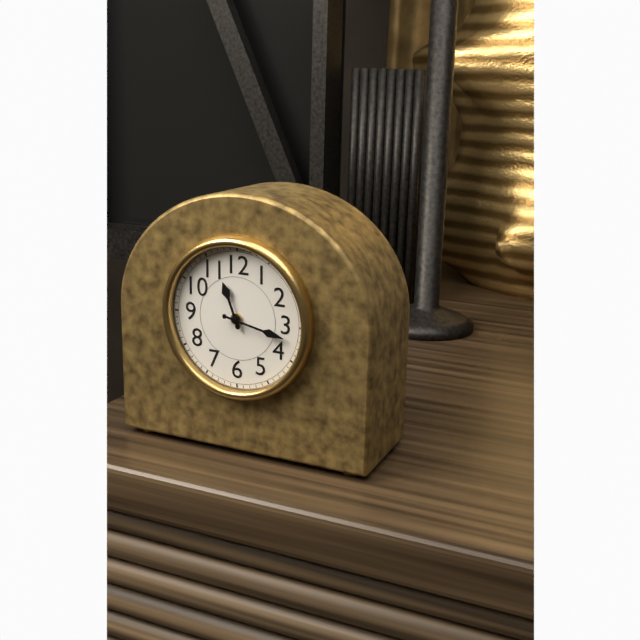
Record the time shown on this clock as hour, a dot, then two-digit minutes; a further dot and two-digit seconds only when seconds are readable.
11.17
